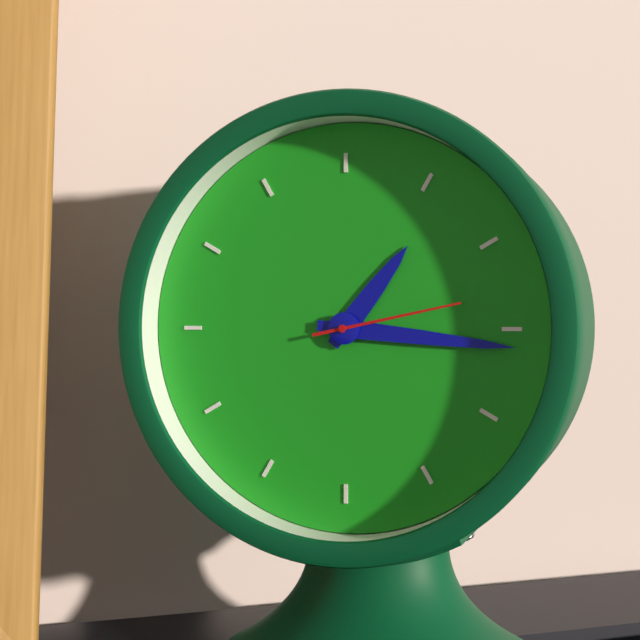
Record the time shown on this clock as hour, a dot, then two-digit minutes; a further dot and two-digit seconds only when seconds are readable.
1.16.13
